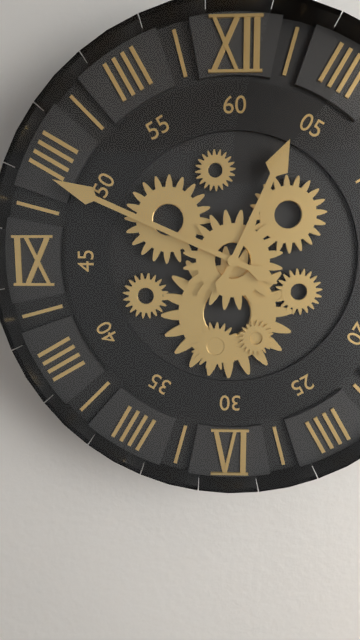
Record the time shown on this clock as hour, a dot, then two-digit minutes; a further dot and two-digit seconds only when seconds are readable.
12.49
